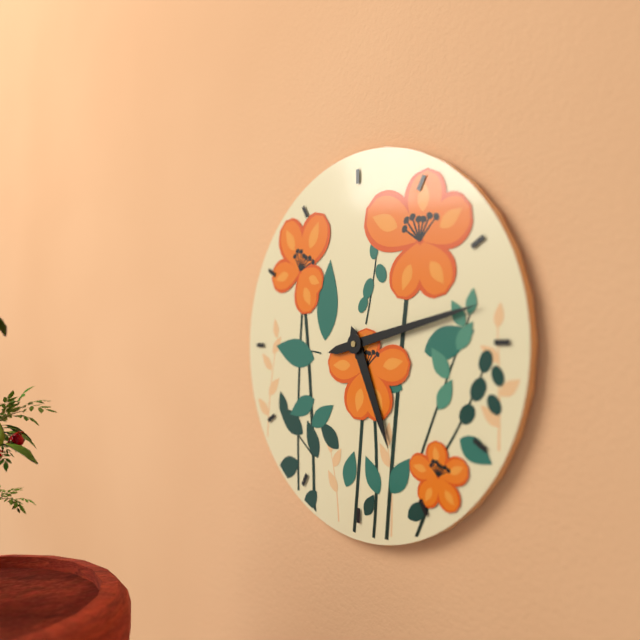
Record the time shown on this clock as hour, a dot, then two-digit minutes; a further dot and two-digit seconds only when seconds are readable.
5.13
